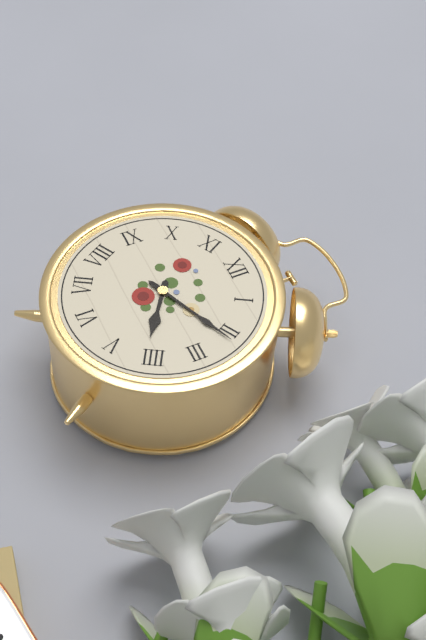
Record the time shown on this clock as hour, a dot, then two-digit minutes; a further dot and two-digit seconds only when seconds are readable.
4.11
